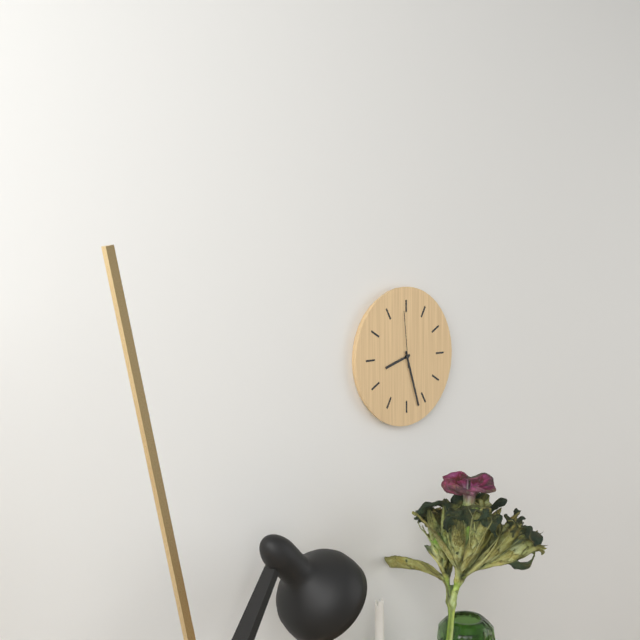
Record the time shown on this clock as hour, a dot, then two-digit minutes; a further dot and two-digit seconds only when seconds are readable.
8.27.59
